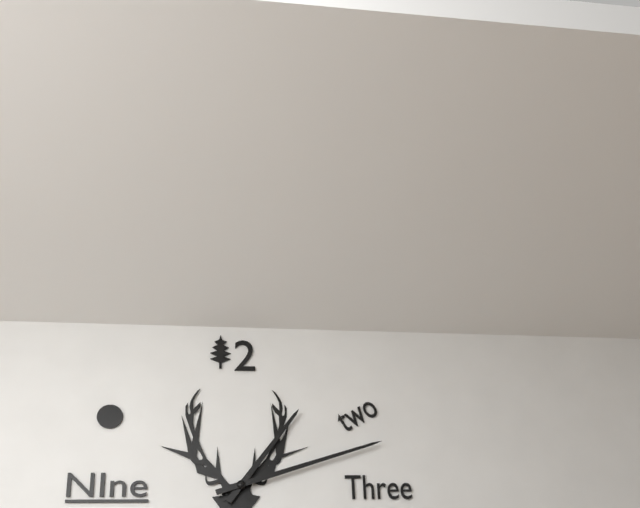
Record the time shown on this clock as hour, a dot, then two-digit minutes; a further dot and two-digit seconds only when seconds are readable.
1.12
